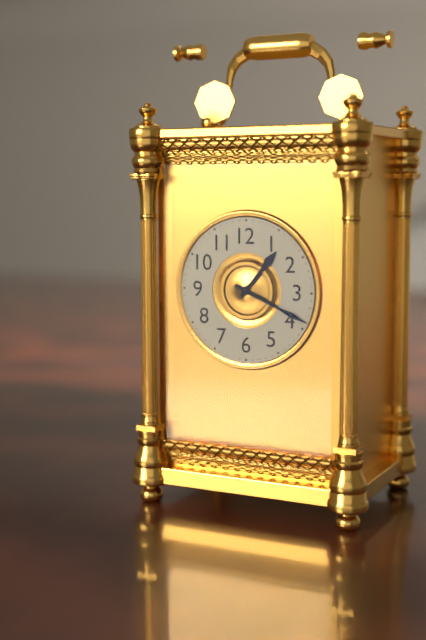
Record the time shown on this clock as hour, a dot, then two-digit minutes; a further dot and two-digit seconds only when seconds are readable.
1.19
